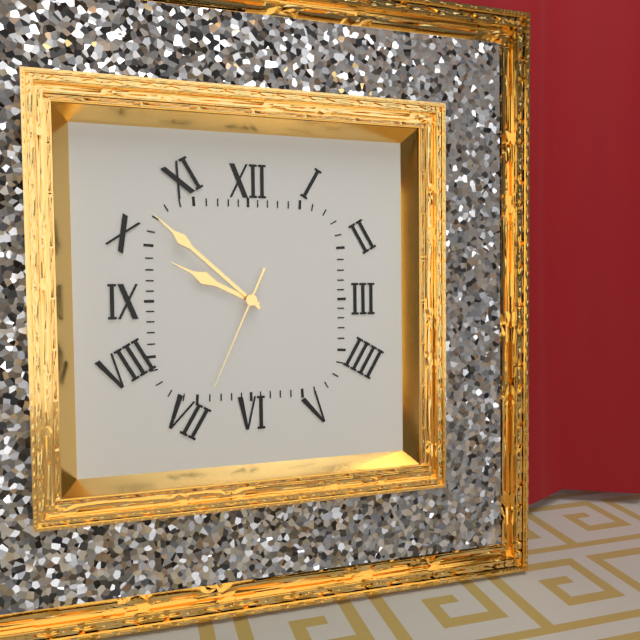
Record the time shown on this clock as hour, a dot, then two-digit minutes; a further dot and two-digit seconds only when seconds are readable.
9.52.34
